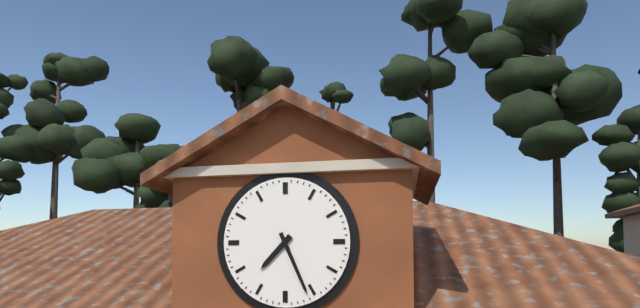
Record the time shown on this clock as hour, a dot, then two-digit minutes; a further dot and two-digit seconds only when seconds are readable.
7.26
